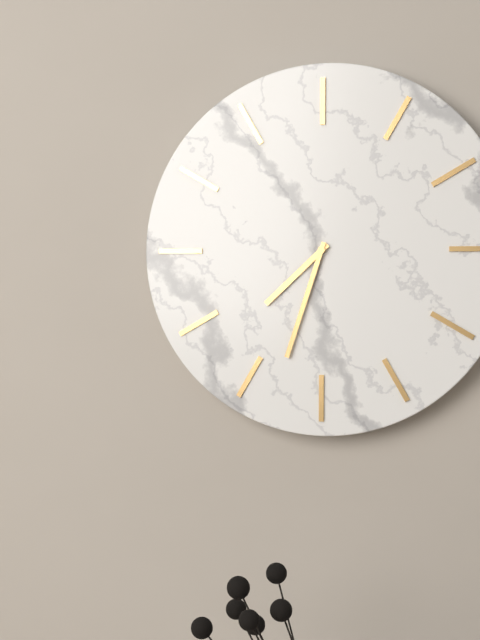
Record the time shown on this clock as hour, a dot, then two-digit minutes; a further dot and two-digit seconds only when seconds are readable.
7.33
